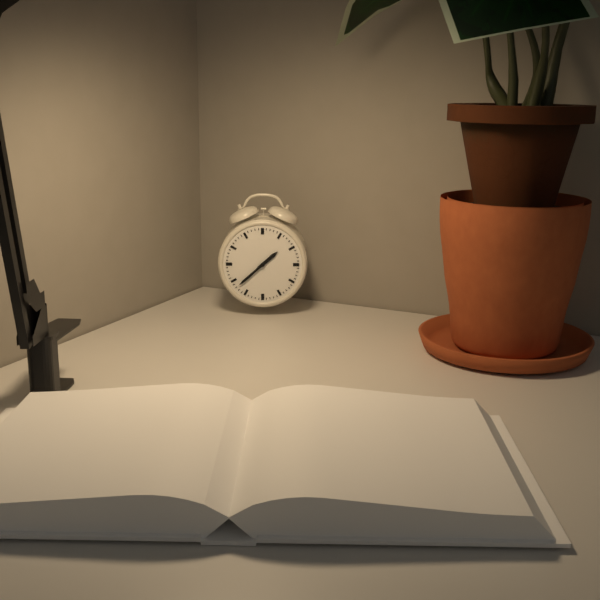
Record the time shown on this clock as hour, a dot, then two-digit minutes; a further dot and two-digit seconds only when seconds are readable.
1.38
